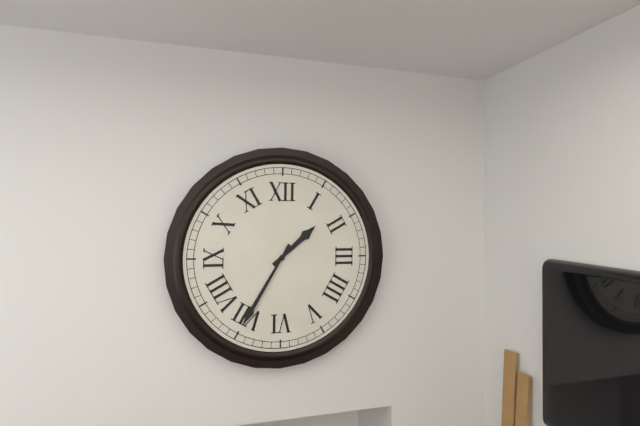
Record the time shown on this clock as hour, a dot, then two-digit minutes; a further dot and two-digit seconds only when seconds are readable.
1.35
